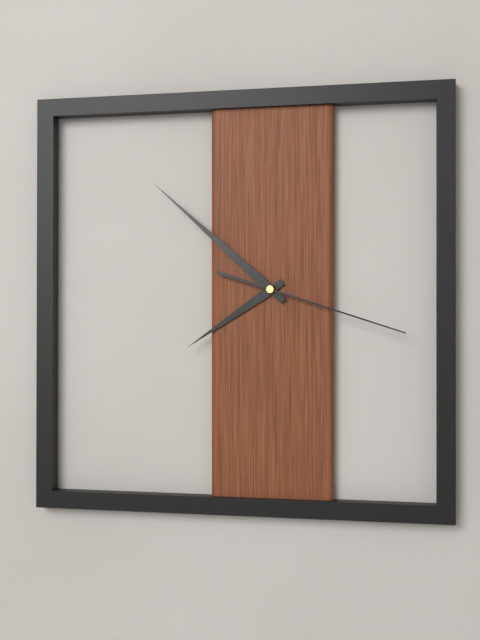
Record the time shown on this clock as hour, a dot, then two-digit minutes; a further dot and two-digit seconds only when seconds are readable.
7.52.18
